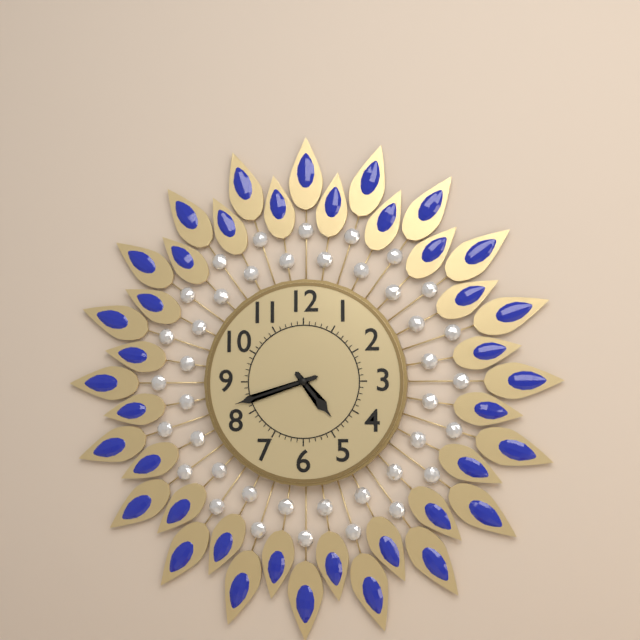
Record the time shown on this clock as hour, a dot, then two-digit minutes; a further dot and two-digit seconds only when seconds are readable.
4.42
